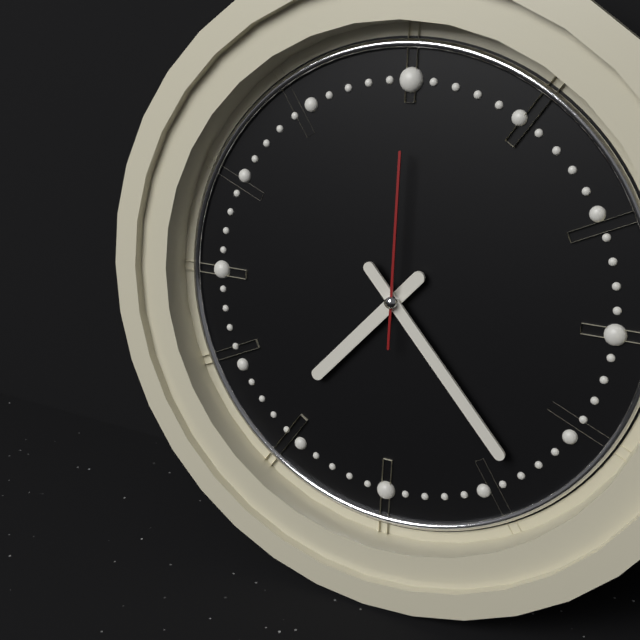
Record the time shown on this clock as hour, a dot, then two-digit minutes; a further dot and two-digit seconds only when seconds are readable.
7.23.00
